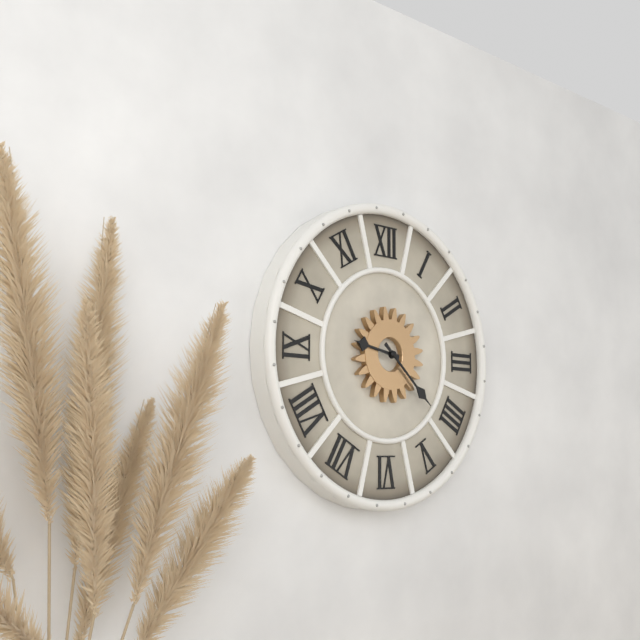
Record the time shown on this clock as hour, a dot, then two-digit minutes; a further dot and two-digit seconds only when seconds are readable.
9.22
